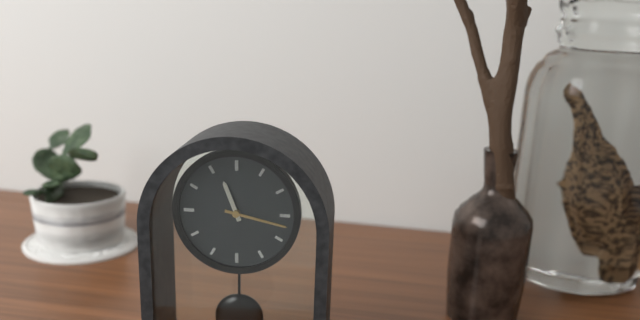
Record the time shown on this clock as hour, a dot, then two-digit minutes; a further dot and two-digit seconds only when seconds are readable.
11.17
